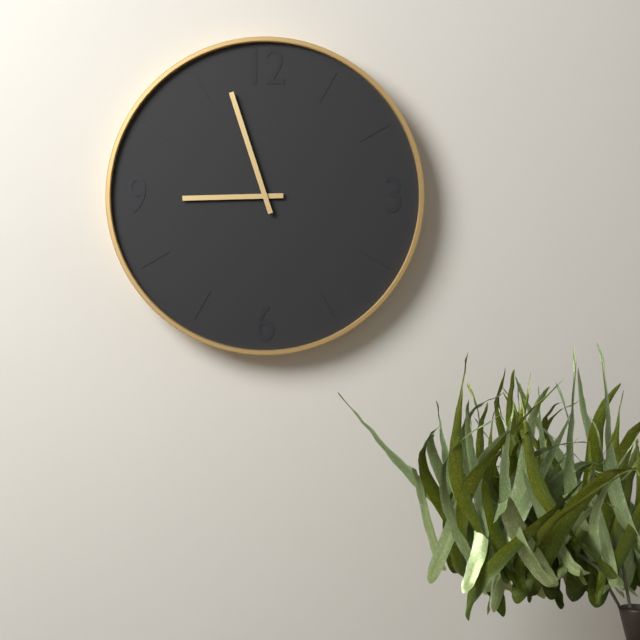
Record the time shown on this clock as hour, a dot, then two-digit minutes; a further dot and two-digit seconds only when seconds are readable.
8.57
